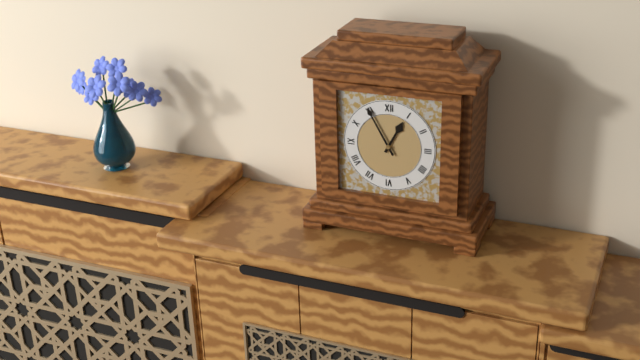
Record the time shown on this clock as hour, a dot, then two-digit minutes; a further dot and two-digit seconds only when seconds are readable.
12.55
